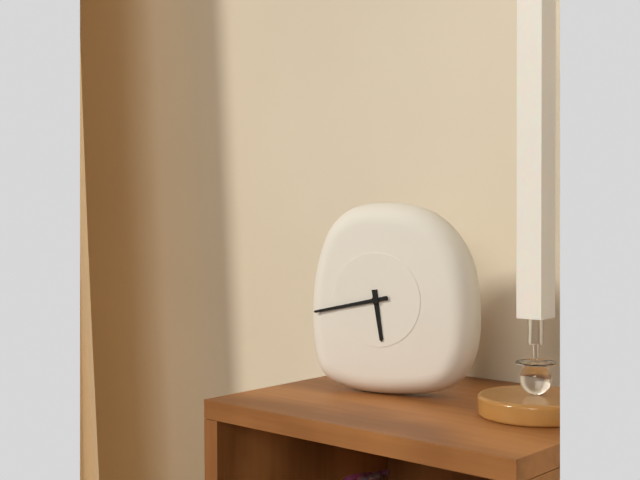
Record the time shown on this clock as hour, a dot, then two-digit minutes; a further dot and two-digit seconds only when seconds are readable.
5.43
